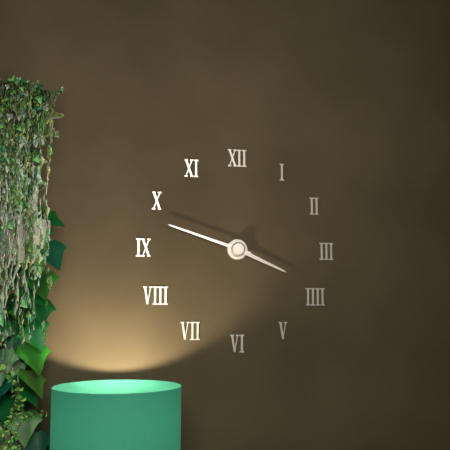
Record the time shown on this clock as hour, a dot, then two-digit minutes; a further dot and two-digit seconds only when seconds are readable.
3.48
